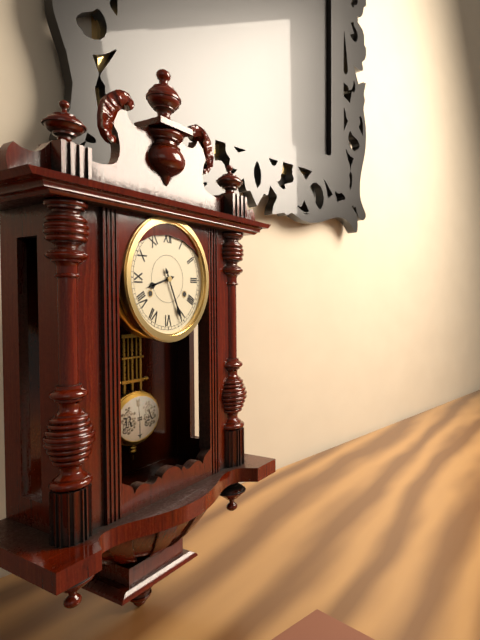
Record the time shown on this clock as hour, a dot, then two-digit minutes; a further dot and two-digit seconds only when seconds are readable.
8.26
